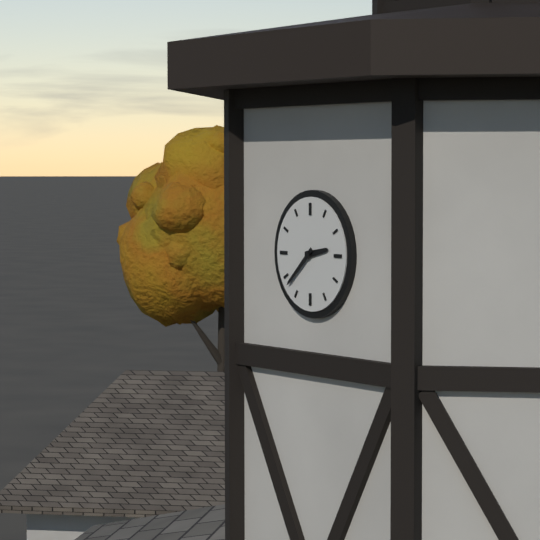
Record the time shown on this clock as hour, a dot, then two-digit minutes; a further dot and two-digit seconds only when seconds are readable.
2.38
